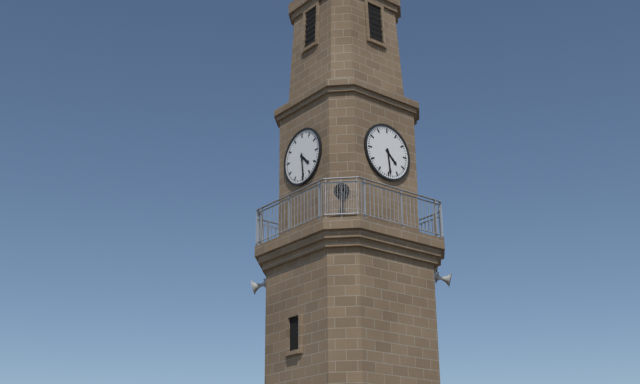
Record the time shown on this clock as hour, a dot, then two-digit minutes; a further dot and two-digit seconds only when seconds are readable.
4.29
